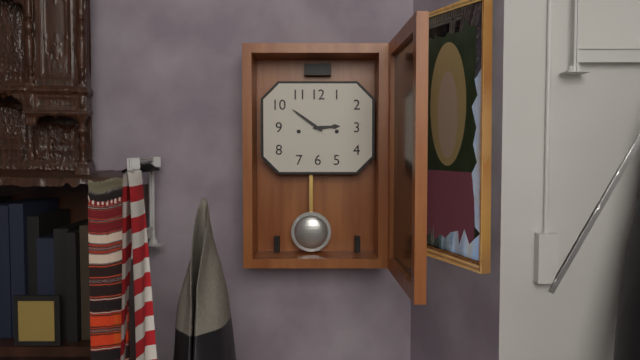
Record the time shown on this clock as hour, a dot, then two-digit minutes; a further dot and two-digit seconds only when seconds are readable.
2.51
